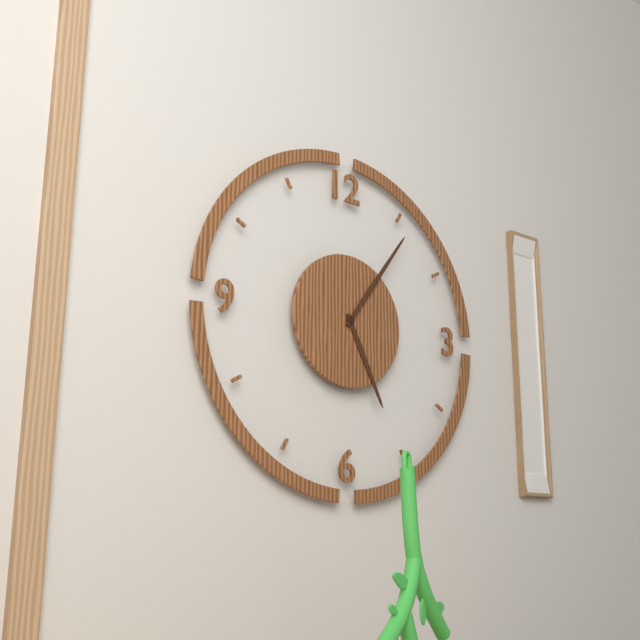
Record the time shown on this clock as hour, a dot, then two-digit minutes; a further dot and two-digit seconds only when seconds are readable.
5.06
